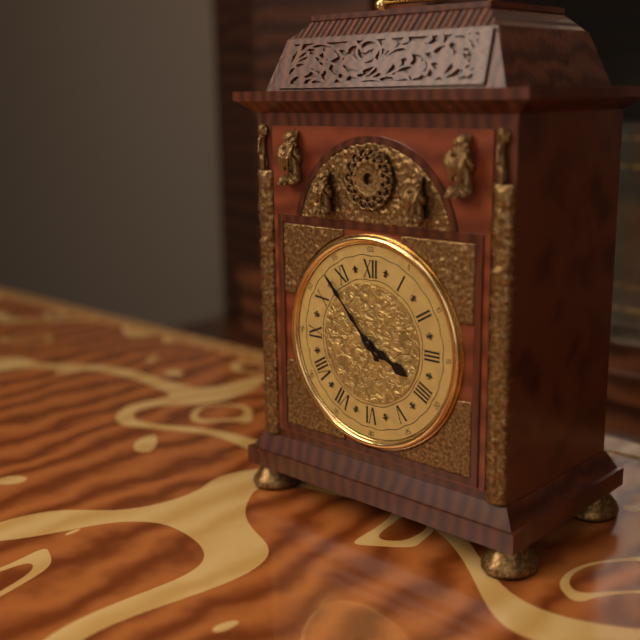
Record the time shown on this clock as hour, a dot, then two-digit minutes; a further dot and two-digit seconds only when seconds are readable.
3.53
